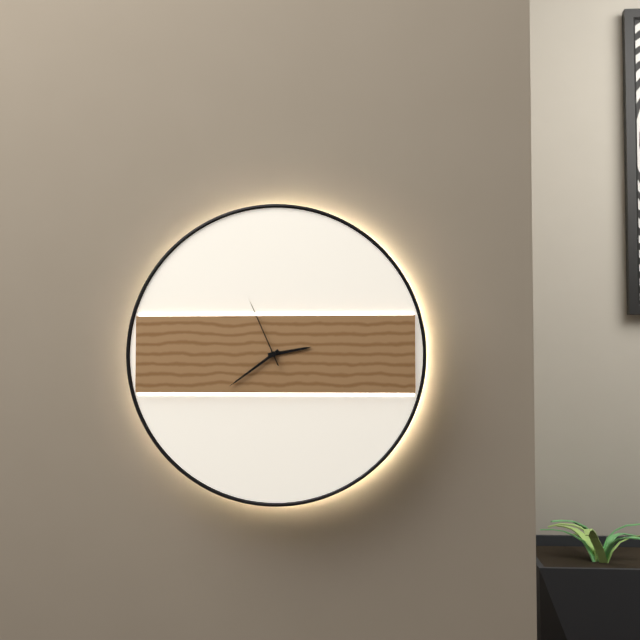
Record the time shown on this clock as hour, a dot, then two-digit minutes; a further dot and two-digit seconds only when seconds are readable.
2.39.56
